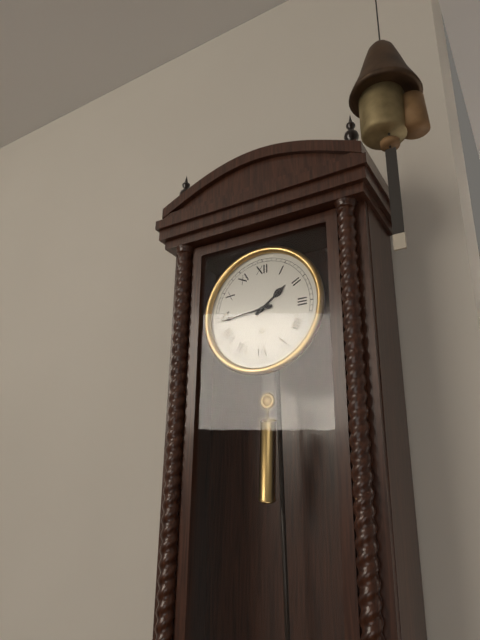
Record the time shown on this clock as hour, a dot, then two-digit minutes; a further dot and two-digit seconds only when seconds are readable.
1.44
